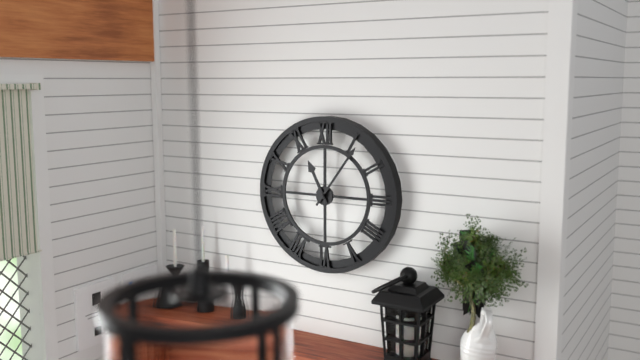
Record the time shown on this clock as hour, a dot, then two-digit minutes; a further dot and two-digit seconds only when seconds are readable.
11.06
